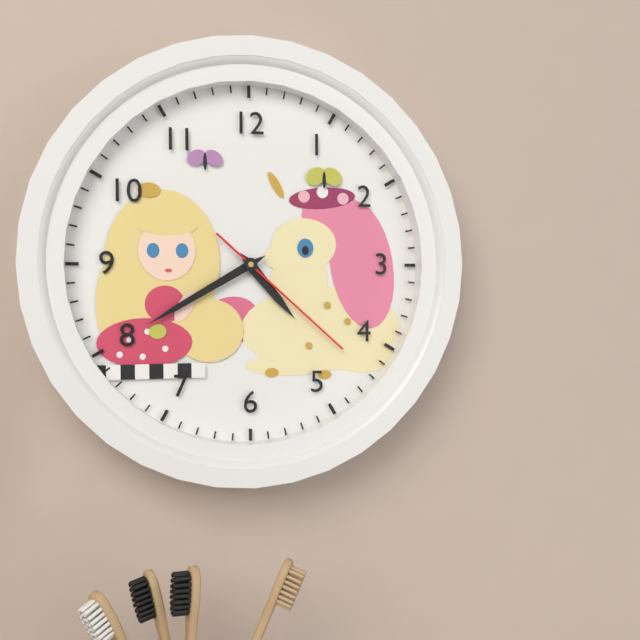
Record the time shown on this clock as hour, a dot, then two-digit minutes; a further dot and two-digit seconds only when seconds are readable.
4.40.22
